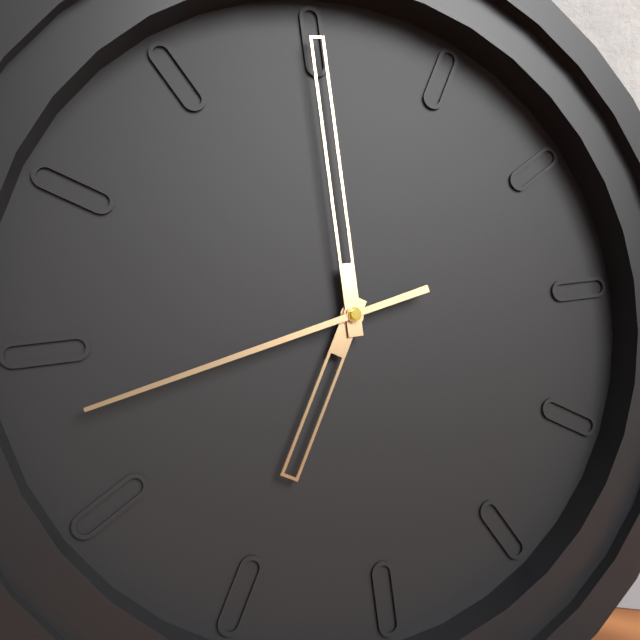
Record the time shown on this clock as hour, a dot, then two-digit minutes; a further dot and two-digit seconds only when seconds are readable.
7.00.43
